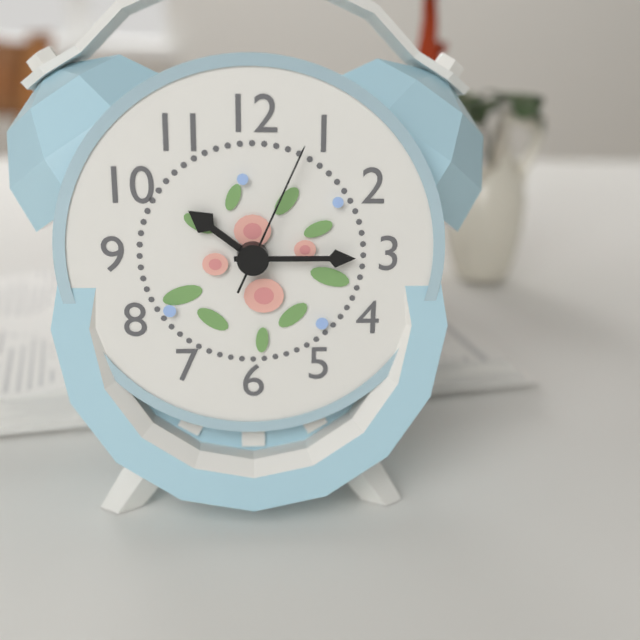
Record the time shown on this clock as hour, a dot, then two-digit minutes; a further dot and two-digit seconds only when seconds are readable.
10.15.04
